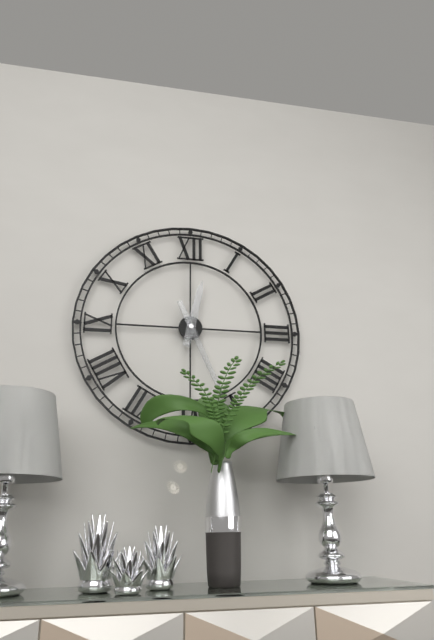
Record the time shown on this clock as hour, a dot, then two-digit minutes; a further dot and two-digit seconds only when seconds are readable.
12.26
